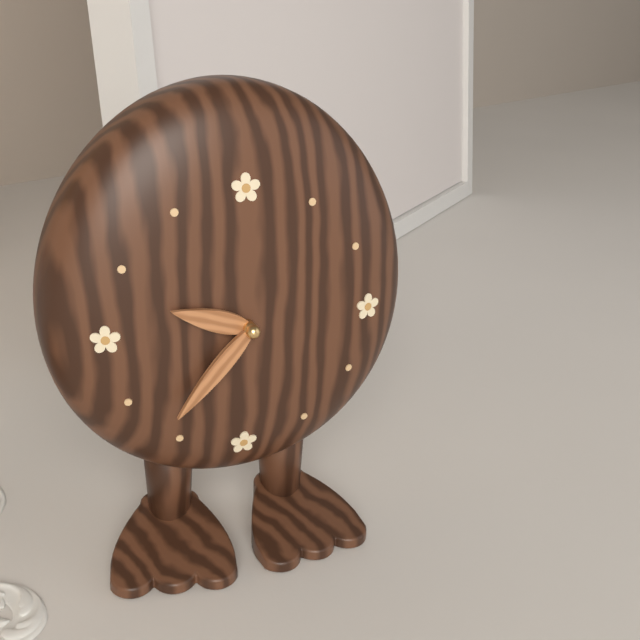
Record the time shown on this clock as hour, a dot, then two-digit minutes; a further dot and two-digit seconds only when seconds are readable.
9.37
